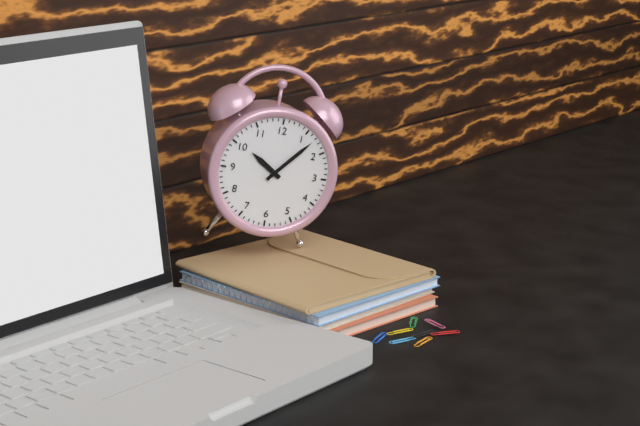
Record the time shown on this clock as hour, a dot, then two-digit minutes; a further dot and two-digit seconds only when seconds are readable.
10.07
